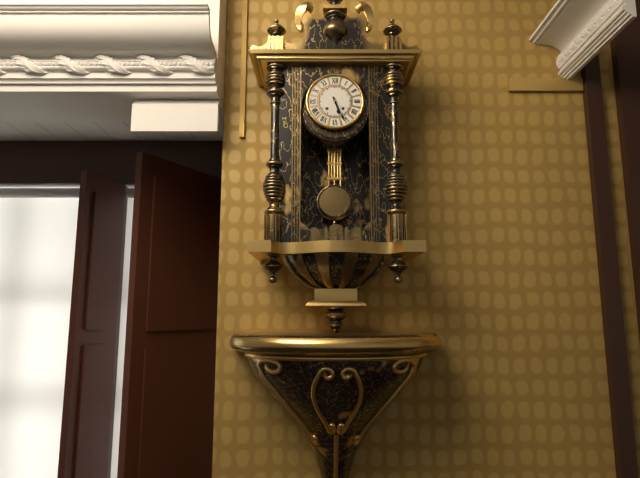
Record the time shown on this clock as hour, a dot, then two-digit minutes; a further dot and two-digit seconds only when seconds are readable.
5.26
